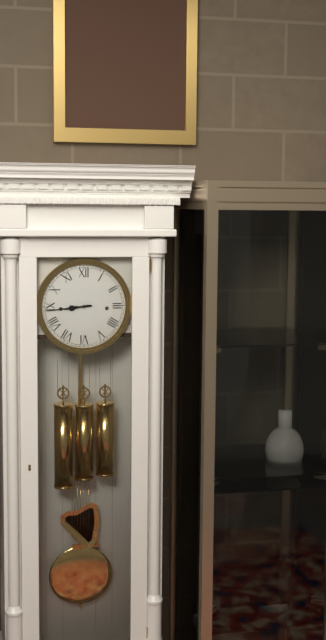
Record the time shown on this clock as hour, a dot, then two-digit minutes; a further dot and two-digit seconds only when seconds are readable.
8.44
